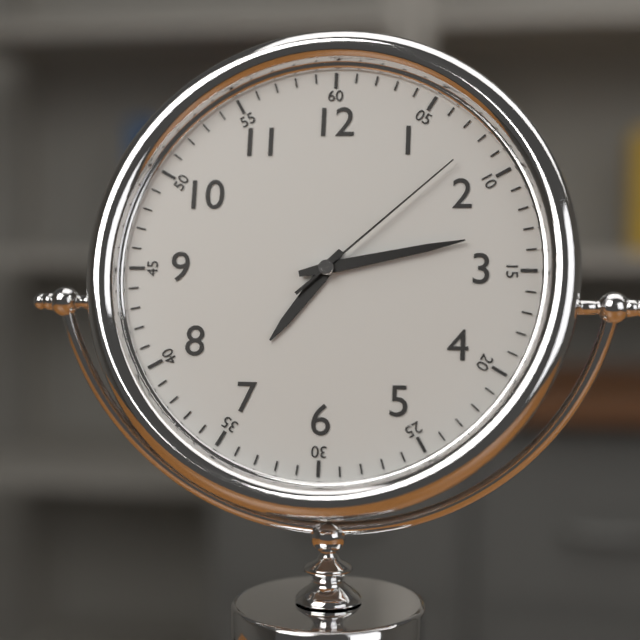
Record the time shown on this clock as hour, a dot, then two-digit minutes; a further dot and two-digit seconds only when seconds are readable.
7.13.08
